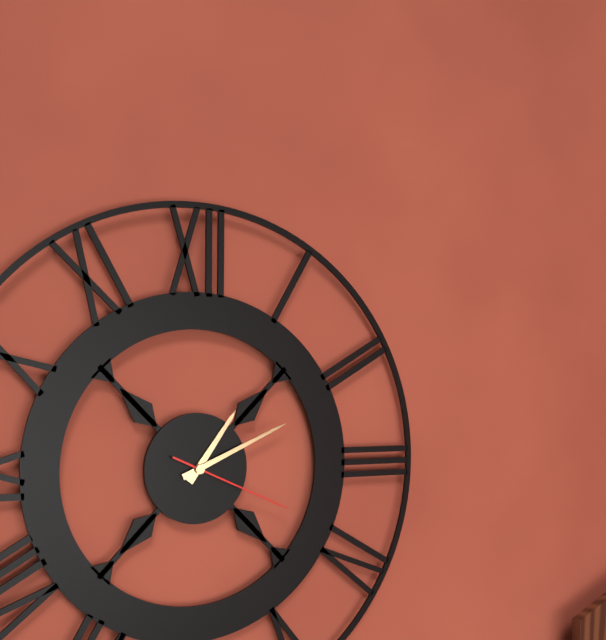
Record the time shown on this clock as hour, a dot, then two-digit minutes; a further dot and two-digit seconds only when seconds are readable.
1.11.19
